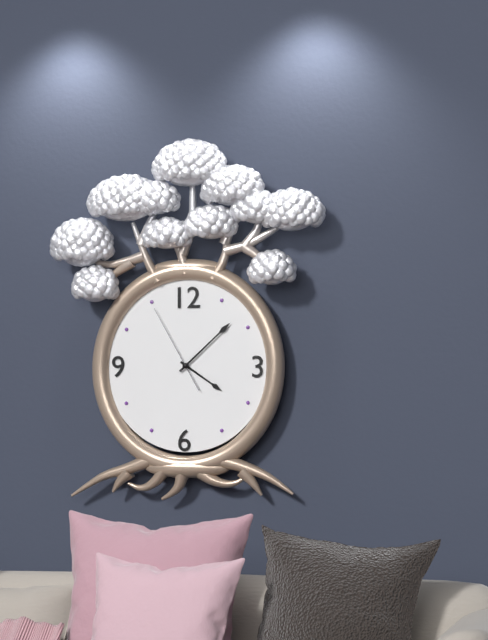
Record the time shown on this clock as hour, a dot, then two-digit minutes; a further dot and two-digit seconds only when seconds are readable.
4.08.55
